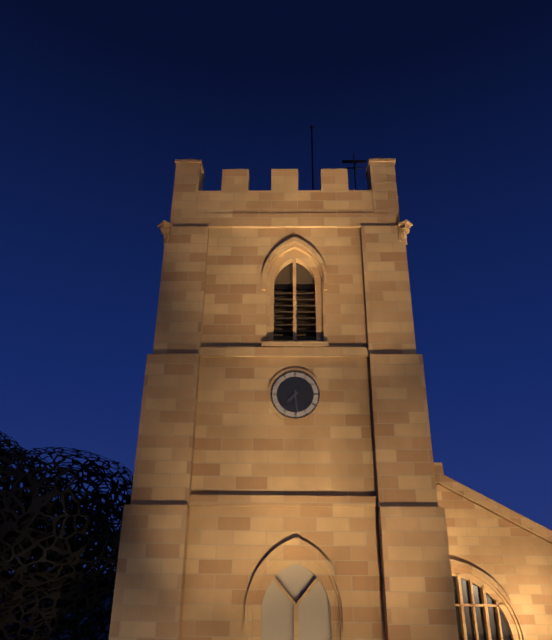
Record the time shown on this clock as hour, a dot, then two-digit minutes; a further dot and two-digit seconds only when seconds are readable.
7.29
